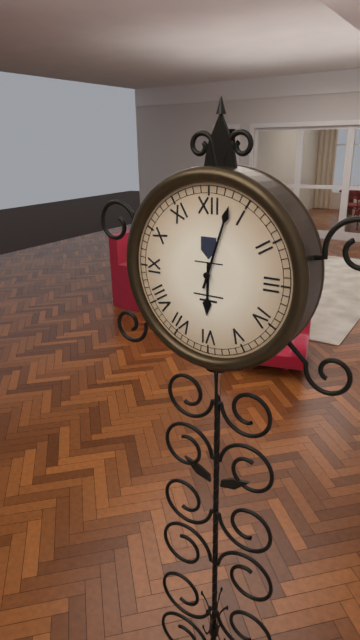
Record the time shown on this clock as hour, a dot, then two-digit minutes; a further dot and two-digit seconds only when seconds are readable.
6.03
